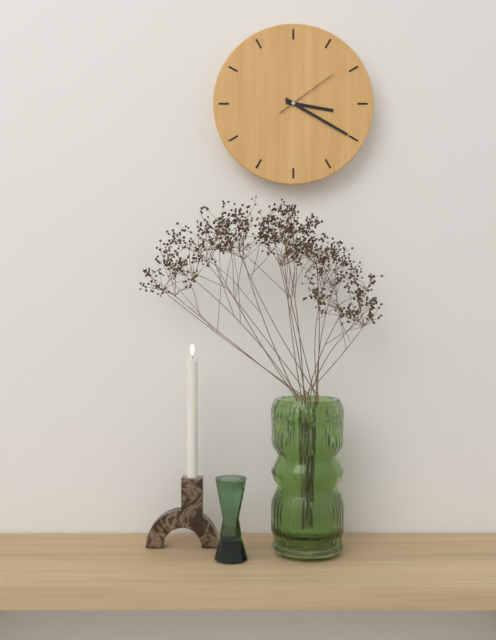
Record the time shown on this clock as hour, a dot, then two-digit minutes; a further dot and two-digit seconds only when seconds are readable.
3.20.09
